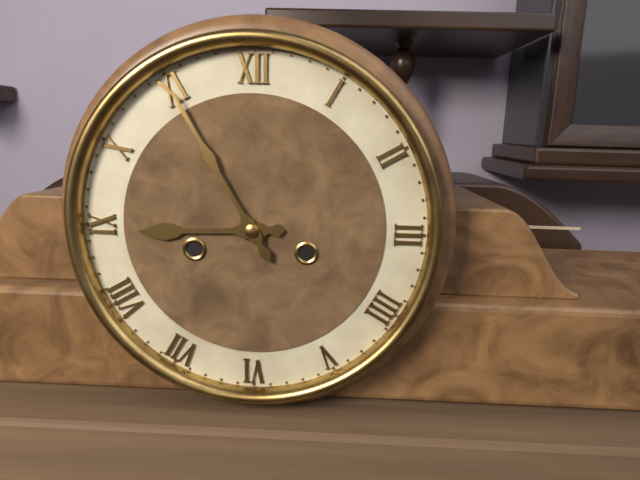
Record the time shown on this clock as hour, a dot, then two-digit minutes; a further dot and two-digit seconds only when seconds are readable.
8.55
